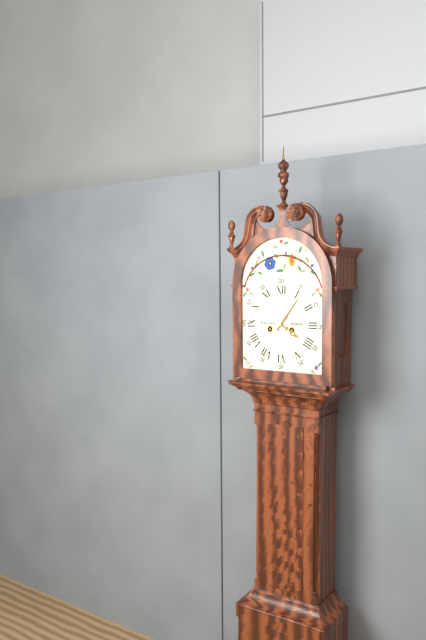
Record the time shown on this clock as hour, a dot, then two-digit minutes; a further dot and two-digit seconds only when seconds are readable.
4.06
